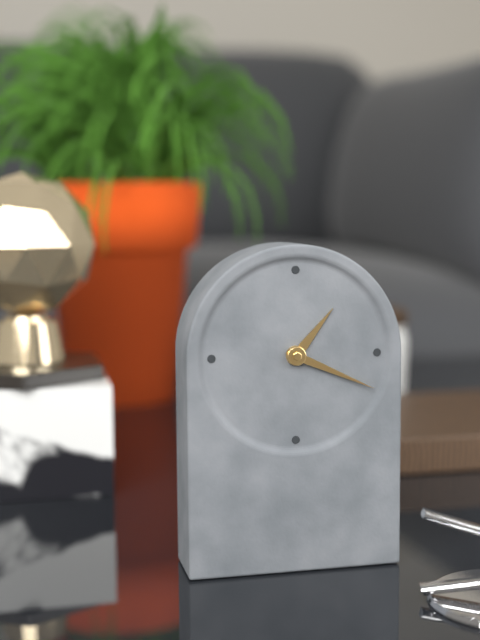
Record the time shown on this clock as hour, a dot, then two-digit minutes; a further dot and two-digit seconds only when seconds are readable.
1.19
